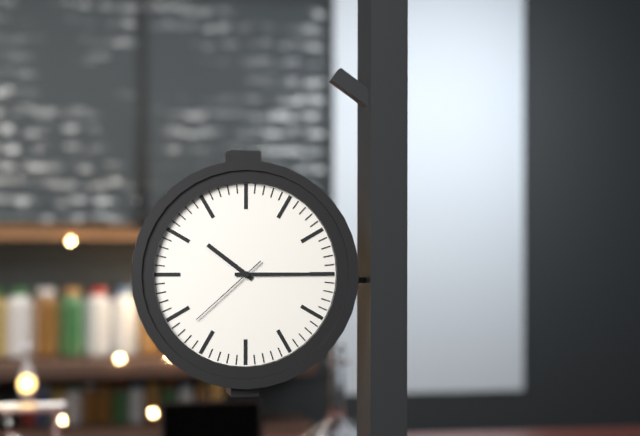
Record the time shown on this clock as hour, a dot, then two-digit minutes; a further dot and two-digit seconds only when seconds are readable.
10.15.38
